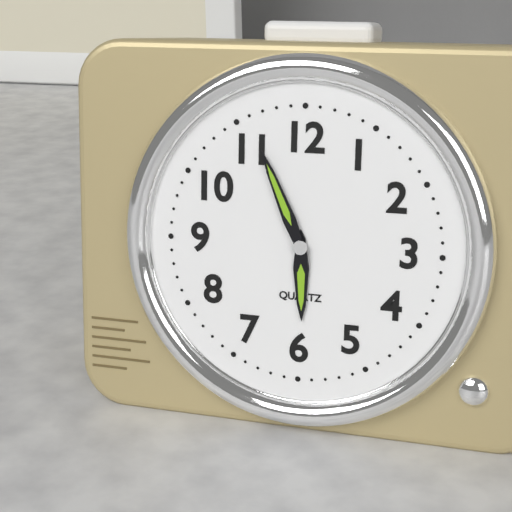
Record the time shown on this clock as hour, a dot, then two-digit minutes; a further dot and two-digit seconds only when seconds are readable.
5.56
